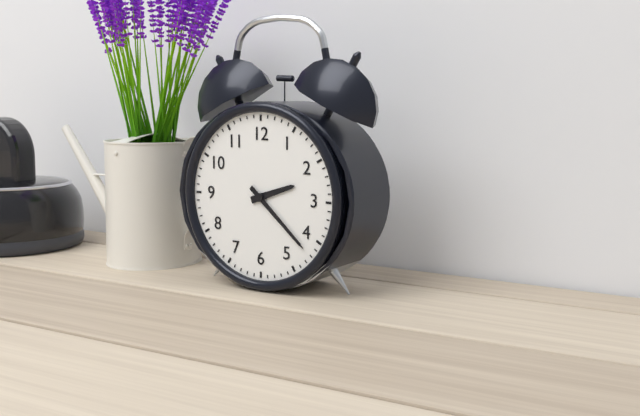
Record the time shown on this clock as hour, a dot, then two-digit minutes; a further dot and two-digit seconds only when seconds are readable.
2.22
